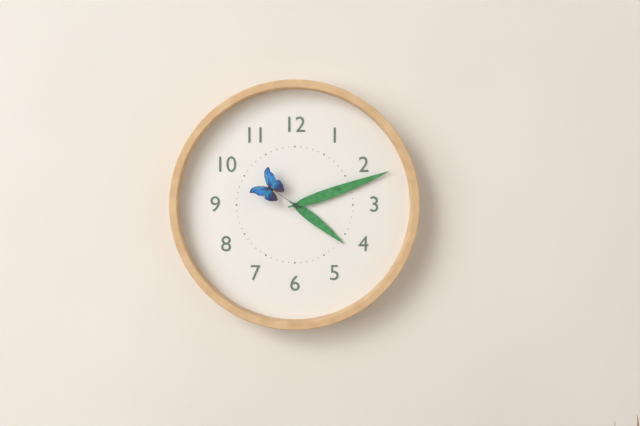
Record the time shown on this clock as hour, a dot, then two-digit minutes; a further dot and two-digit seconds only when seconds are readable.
4.12.51
